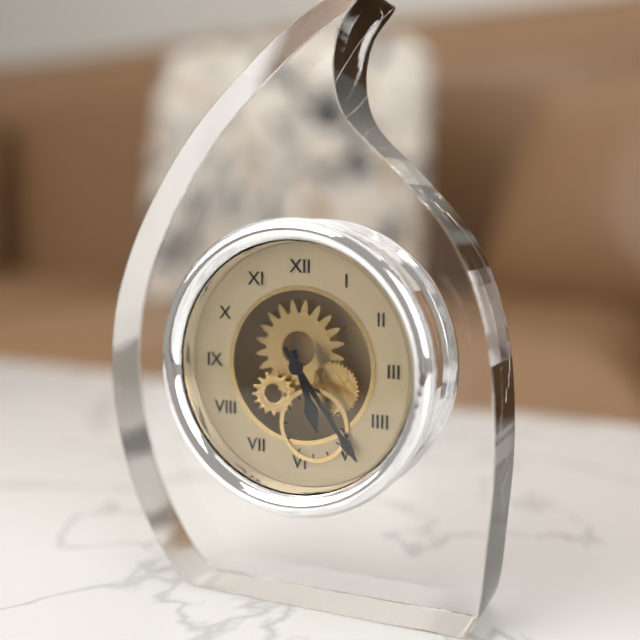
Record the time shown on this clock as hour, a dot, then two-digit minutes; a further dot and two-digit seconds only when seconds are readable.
5.24
